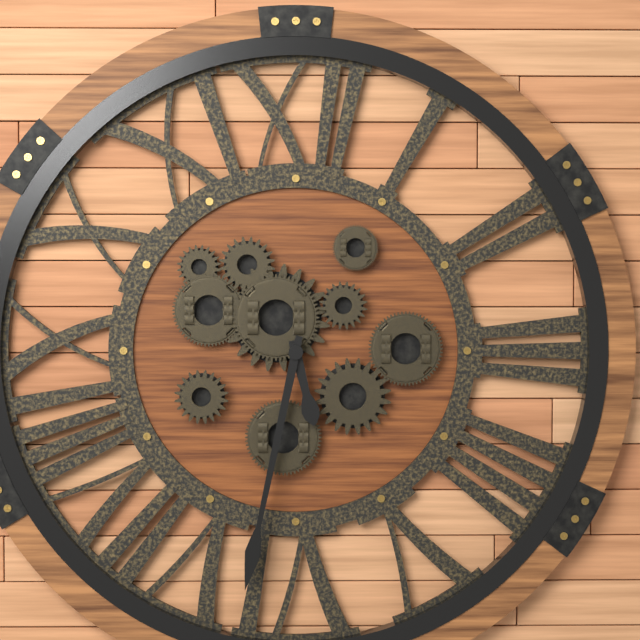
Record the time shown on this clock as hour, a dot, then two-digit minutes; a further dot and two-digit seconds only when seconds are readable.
5.32
